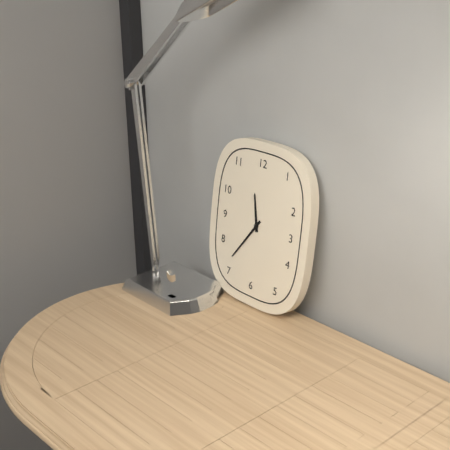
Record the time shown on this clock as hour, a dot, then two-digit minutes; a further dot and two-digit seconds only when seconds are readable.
11.36
